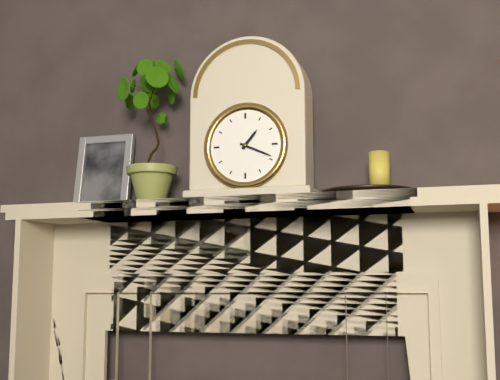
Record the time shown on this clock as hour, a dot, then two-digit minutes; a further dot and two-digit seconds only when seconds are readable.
1.19
